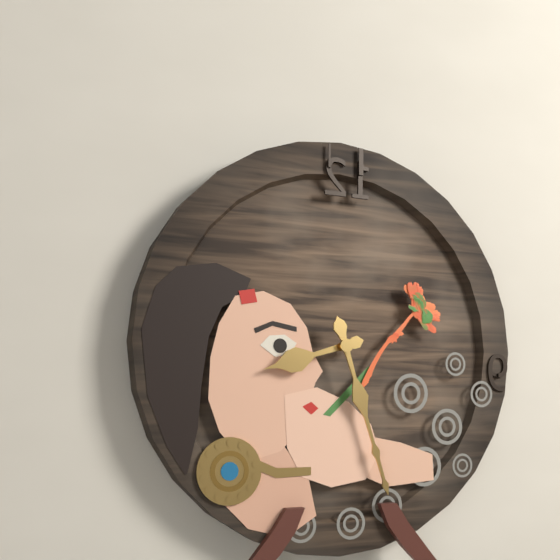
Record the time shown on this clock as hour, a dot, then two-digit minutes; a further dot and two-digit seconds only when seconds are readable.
8.27
